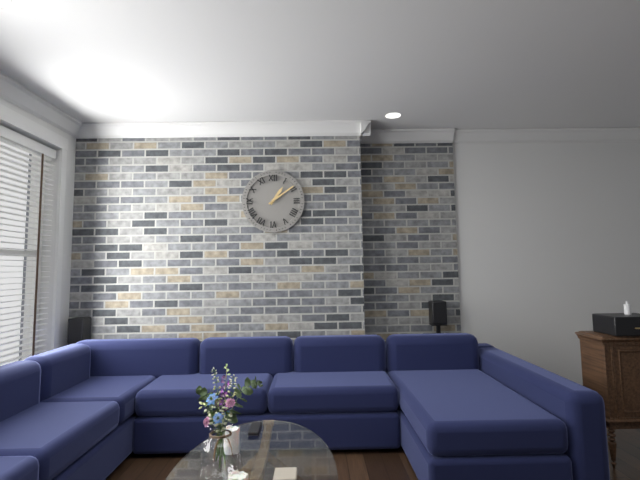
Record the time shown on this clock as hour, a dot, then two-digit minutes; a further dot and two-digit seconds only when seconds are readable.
1.09
